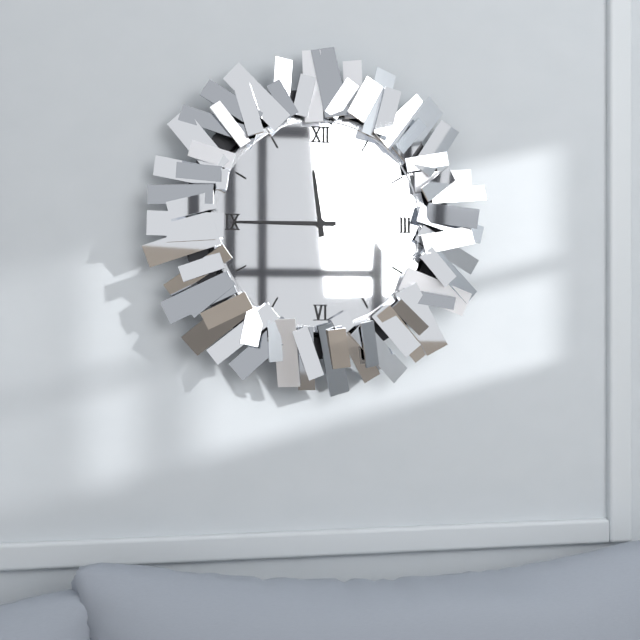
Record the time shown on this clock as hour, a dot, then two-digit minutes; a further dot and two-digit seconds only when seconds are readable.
11.45
